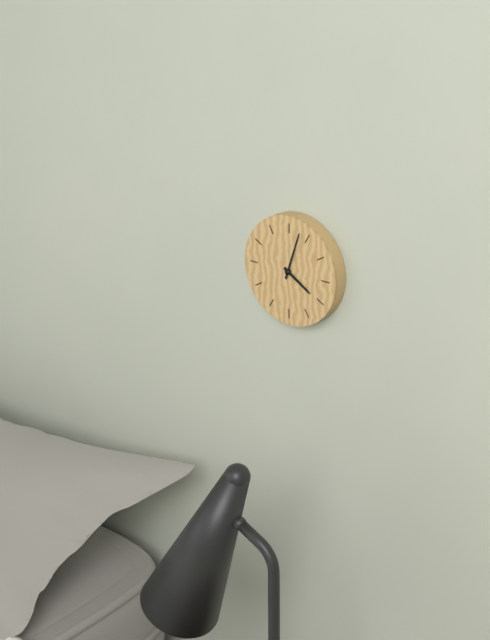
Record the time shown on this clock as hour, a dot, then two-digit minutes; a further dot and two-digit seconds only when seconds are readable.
4.03
